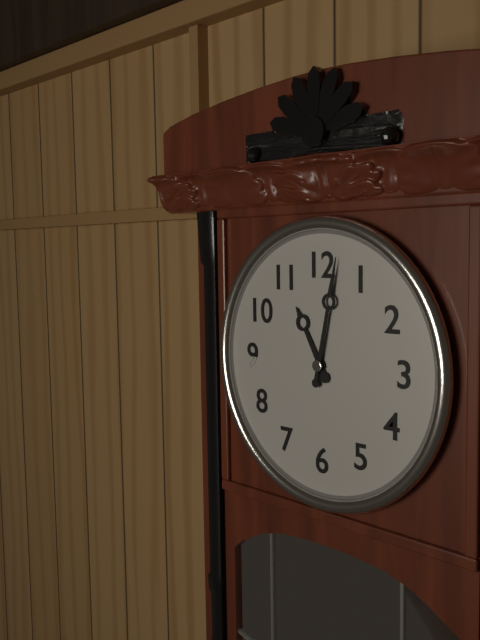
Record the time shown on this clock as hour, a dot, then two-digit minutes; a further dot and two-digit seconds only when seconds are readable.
11.02
